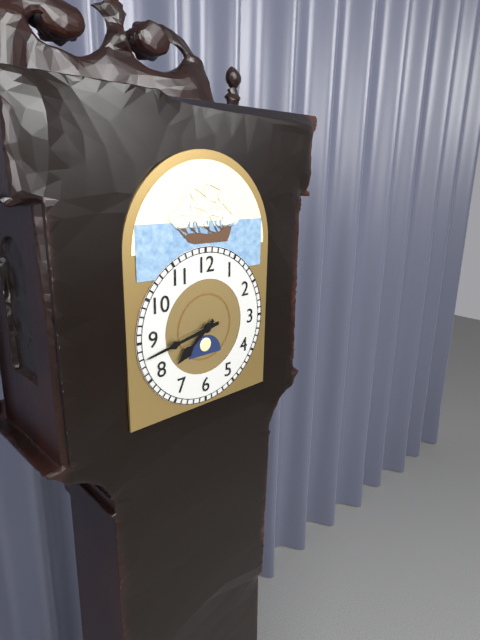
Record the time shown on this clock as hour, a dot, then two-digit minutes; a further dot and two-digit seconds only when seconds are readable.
7.43
